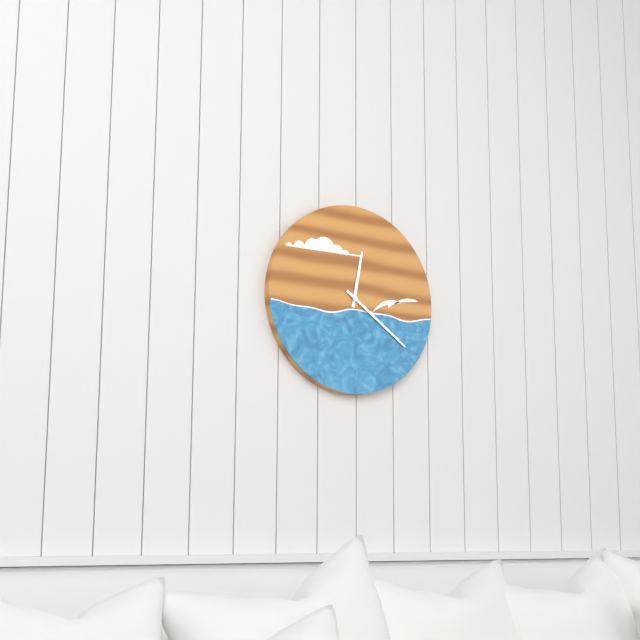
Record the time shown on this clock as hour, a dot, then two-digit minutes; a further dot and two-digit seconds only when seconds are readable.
12.21
